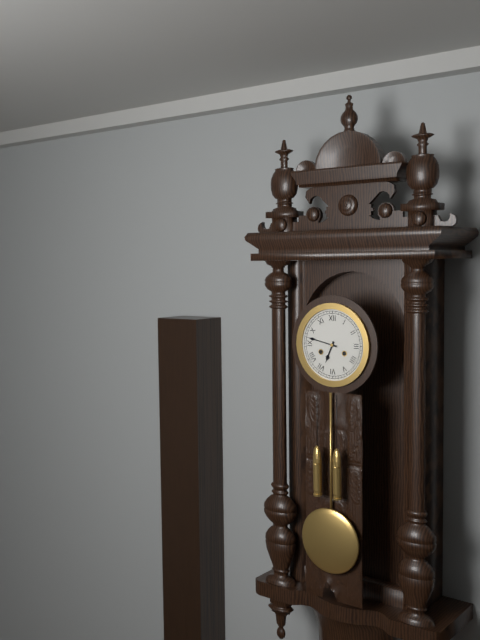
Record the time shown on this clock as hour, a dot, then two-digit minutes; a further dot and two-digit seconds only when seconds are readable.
6.47
